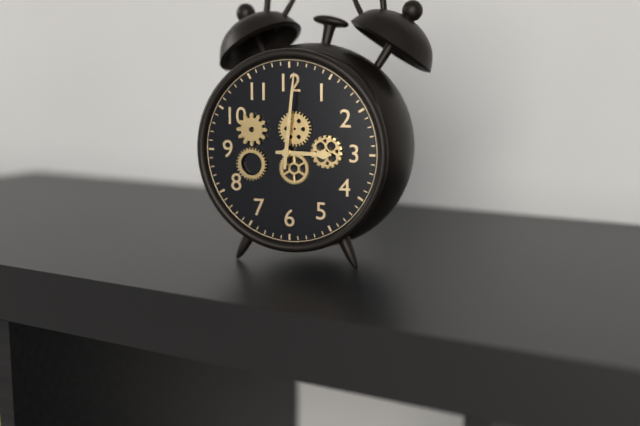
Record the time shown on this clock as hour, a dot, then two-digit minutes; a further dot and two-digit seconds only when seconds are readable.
3.01
